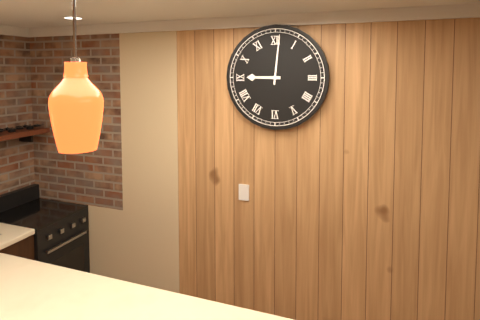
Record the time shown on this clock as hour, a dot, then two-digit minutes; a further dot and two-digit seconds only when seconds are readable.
9.01
